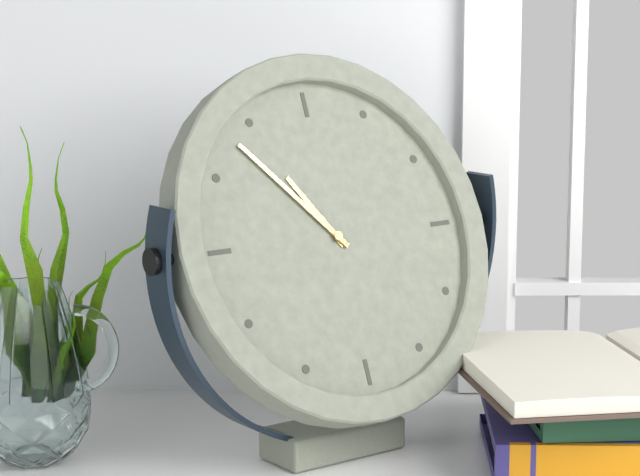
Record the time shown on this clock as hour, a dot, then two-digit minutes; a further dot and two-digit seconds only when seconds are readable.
10.53
